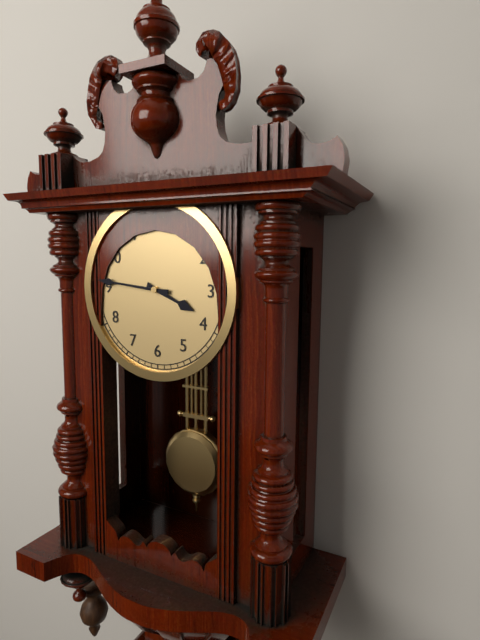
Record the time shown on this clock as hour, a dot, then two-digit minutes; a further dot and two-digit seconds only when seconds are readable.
3.46
